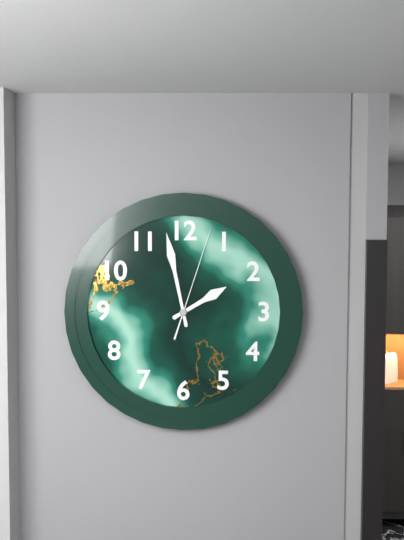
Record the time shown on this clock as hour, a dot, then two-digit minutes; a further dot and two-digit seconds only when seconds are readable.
1.58.03
